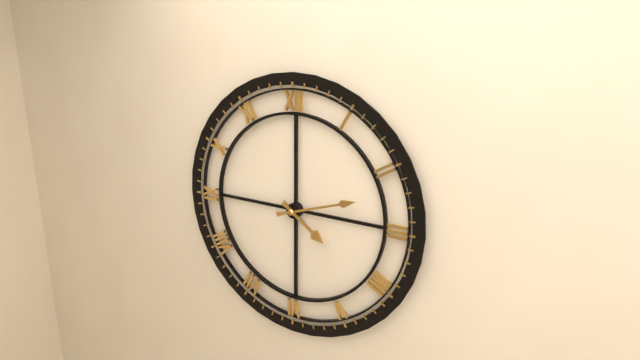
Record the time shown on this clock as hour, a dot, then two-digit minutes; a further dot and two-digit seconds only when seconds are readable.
4.12
